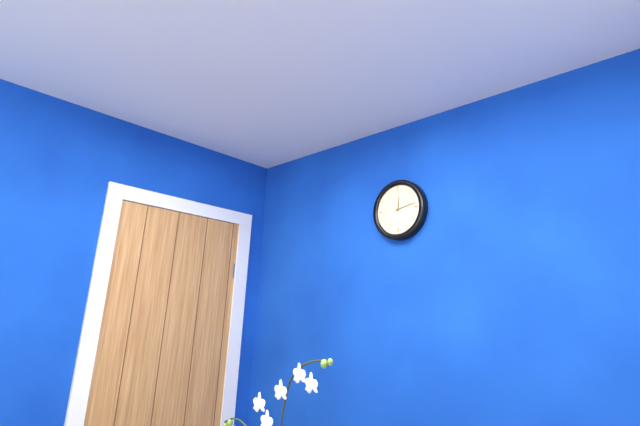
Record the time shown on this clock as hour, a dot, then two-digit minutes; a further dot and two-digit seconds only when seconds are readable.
12.13
